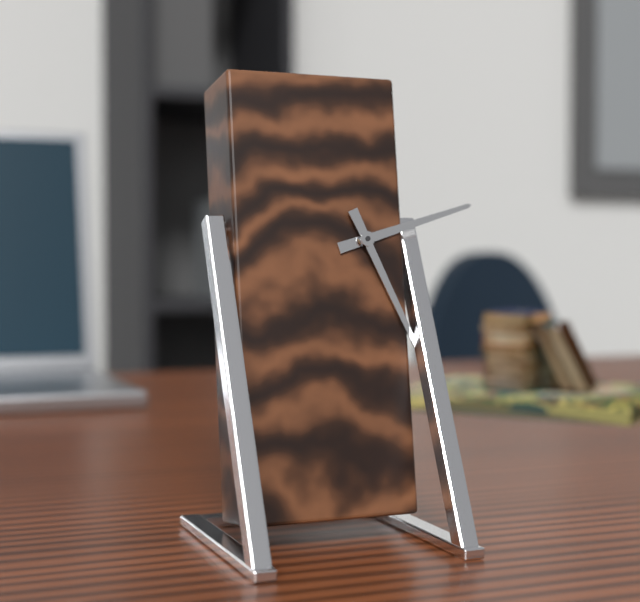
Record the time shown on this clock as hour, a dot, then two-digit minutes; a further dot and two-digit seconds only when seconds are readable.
2.26
